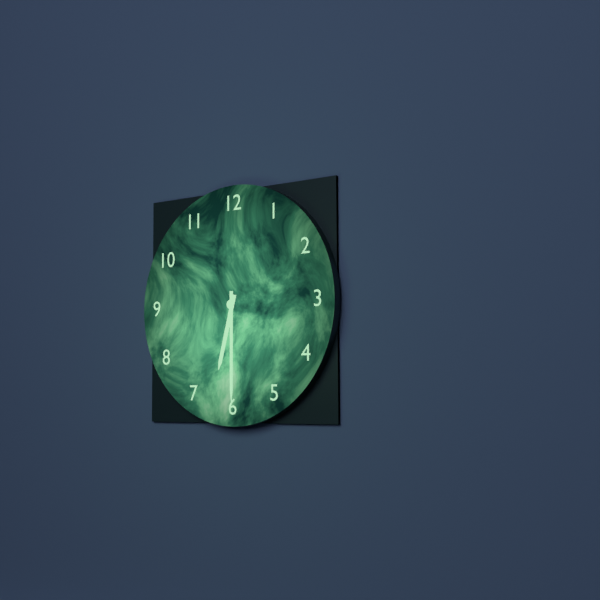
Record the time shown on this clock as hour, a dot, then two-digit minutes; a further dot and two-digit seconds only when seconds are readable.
6.30
